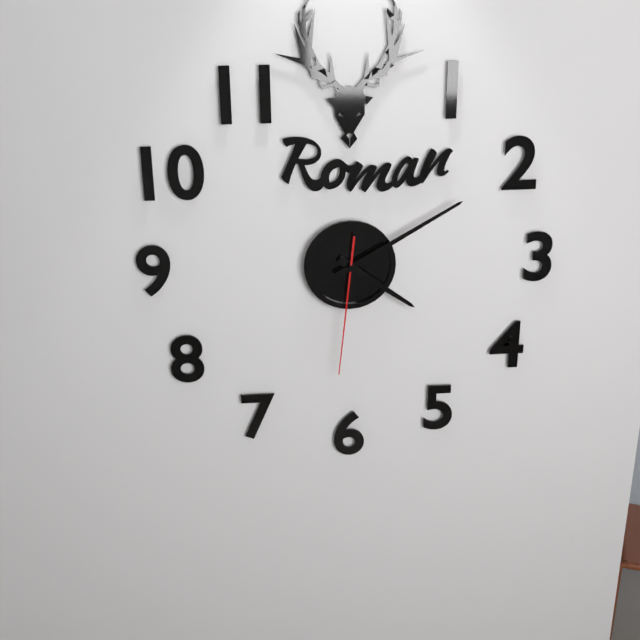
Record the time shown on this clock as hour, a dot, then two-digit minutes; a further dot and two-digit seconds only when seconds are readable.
4.10.31
